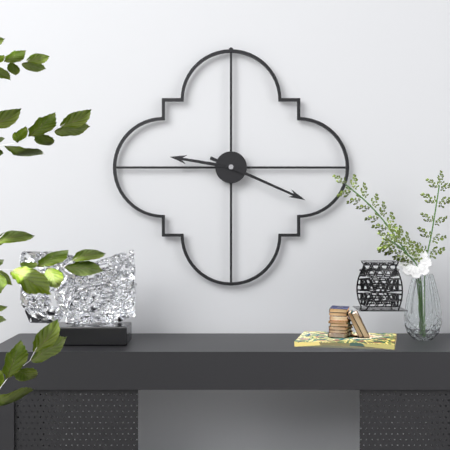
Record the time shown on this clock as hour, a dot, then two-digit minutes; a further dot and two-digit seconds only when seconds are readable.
9.19
